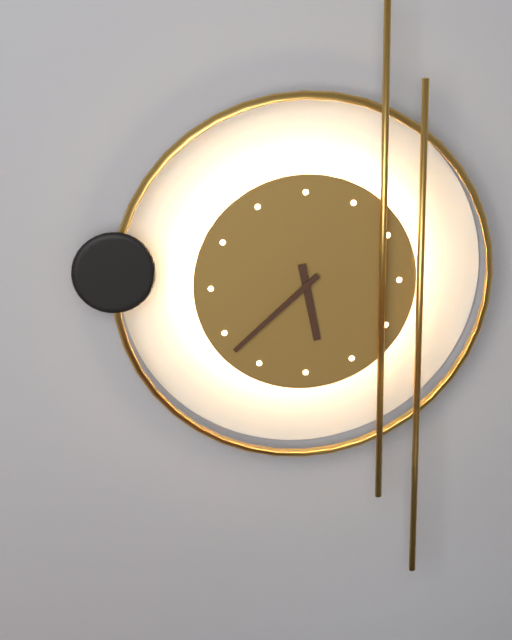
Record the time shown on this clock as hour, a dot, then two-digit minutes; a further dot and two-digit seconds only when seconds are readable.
5.38
